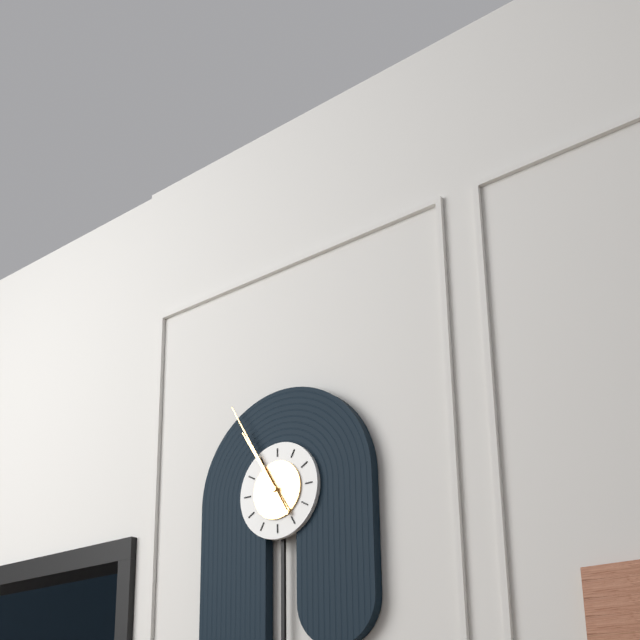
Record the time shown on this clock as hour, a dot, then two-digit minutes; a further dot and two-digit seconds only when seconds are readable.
10.55
